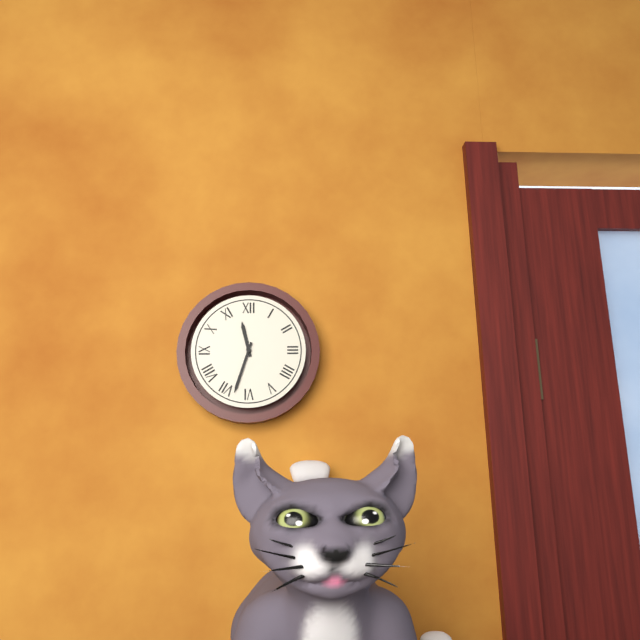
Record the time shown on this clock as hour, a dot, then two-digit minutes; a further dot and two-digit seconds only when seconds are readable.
11.33
